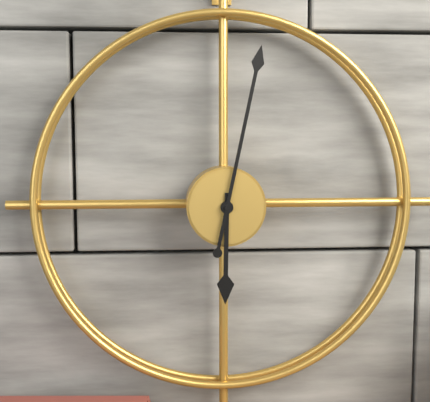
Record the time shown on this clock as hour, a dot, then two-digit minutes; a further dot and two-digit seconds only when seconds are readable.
6.02
